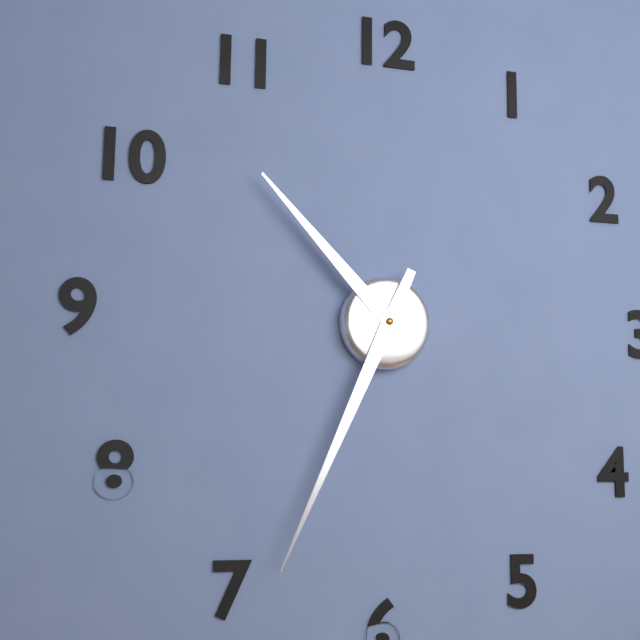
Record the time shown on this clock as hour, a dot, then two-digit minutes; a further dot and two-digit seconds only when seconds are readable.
10.34
